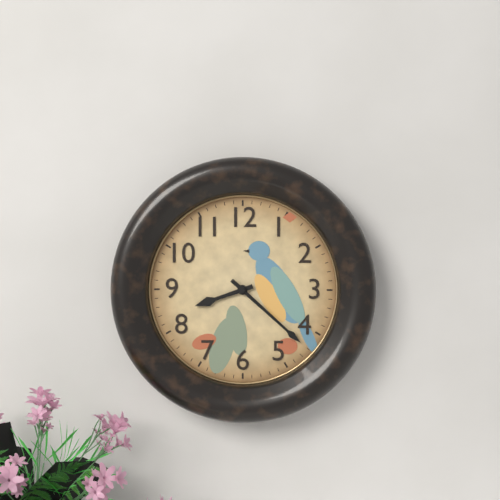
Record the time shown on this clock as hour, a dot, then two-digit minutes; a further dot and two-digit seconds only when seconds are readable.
8.22
